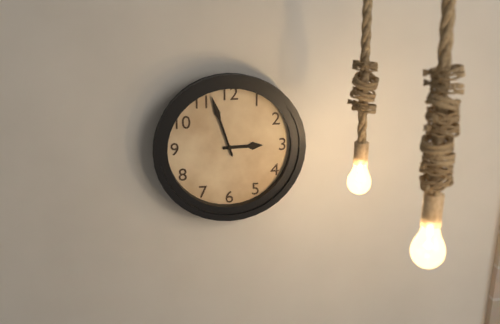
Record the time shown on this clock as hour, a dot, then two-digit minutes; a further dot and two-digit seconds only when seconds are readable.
2.57
